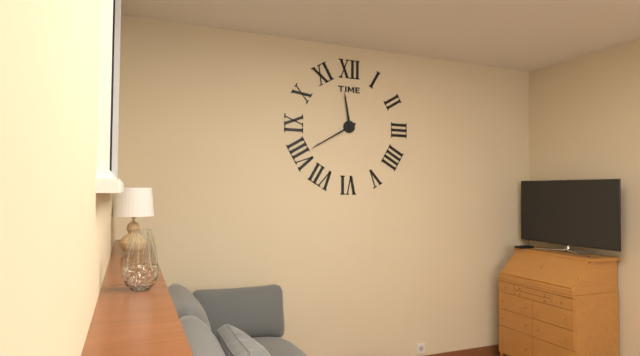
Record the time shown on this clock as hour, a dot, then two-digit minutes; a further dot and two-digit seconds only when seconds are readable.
11.40
